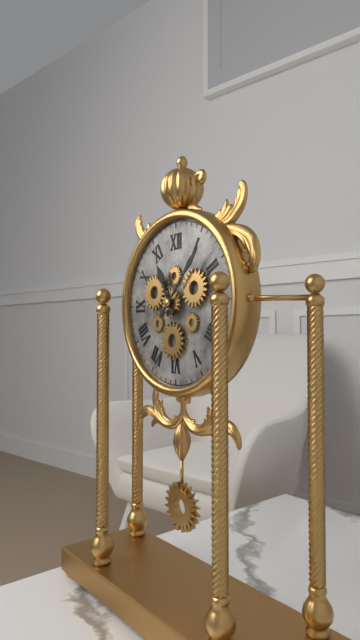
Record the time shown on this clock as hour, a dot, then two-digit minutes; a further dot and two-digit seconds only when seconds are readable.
11.07
